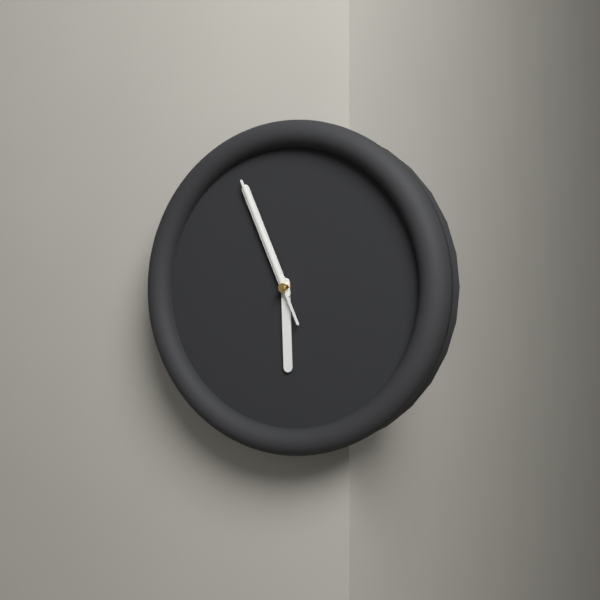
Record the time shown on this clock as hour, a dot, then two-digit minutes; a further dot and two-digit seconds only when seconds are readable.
5.56.56
